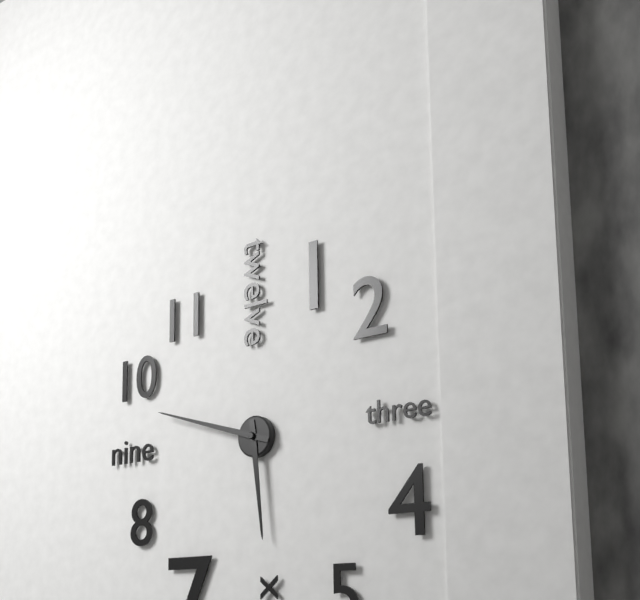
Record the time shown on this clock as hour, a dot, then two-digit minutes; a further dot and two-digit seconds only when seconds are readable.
5.48
